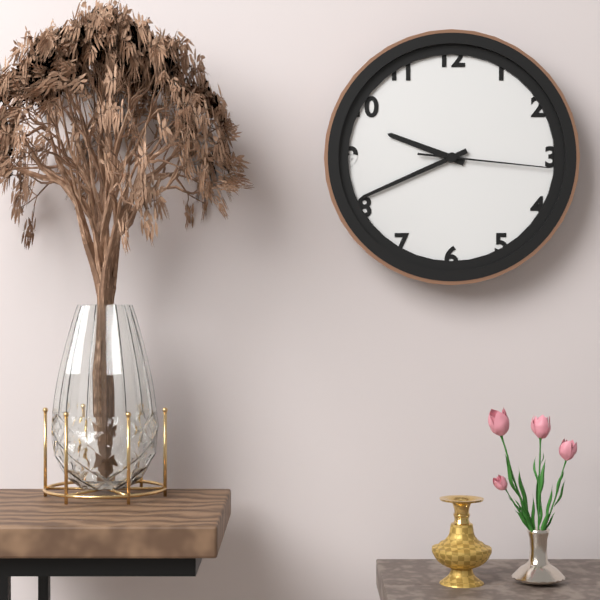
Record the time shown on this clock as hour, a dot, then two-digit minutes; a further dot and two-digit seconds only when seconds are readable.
9.41.16
